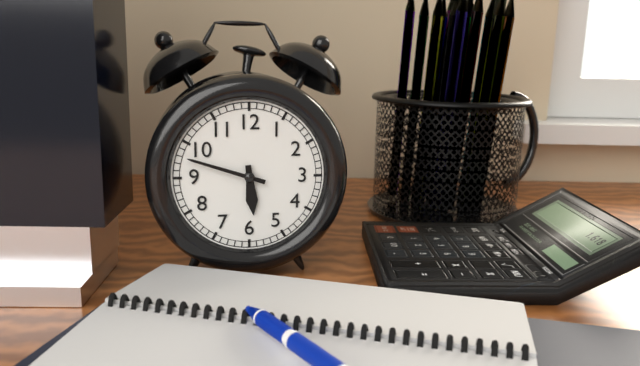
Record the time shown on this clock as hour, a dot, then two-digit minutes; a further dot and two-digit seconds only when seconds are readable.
5.48
